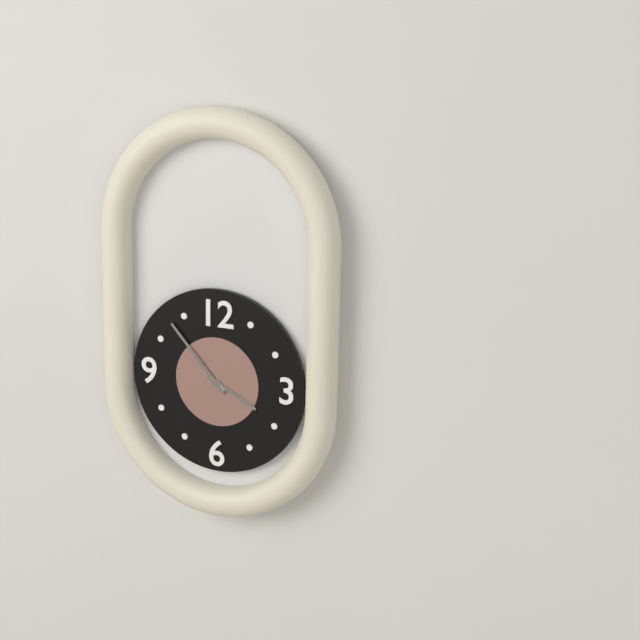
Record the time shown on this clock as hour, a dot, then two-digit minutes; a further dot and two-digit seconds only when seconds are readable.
3.53
